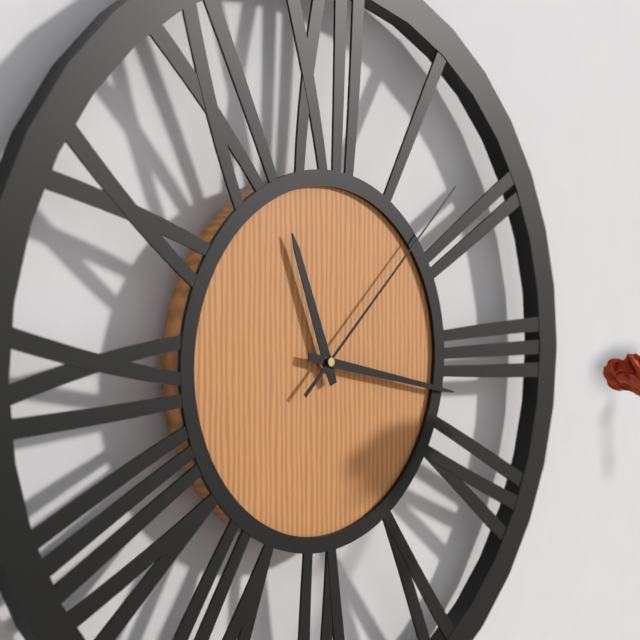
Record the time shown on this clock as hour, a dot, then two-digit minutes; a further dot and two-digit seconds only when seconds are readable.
11.17.08
